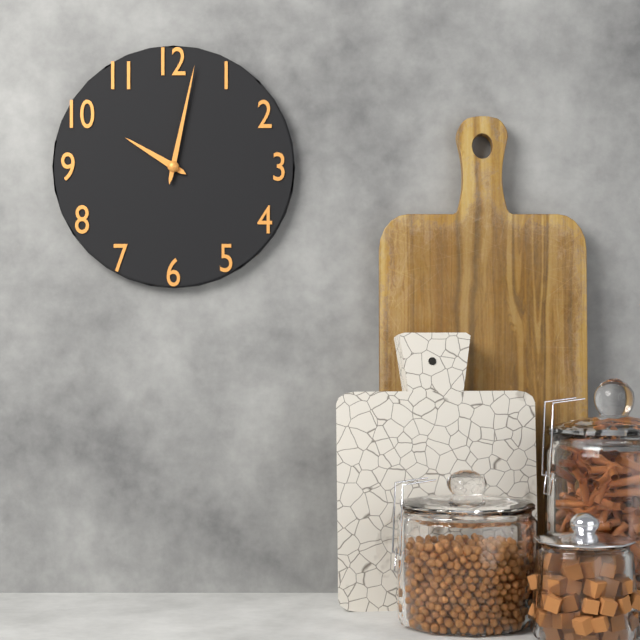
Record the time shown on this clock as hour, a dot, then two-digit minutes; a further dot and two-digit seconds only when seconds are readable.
10.02
